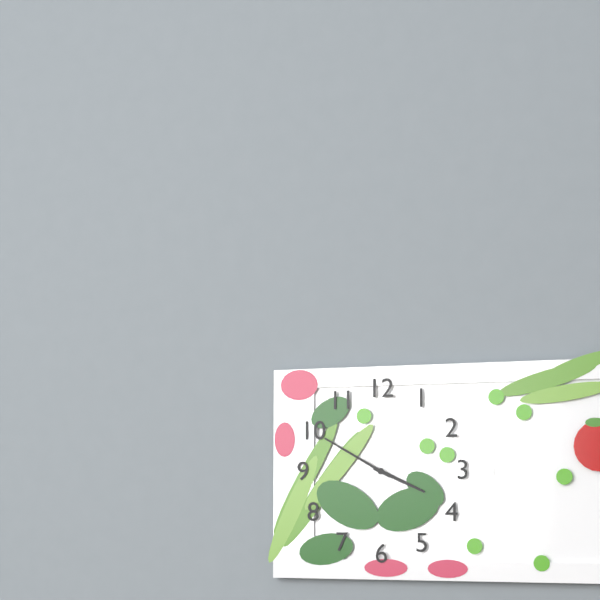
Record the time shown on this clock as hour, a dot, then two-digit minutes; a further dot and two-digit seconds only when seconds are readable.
3.50
